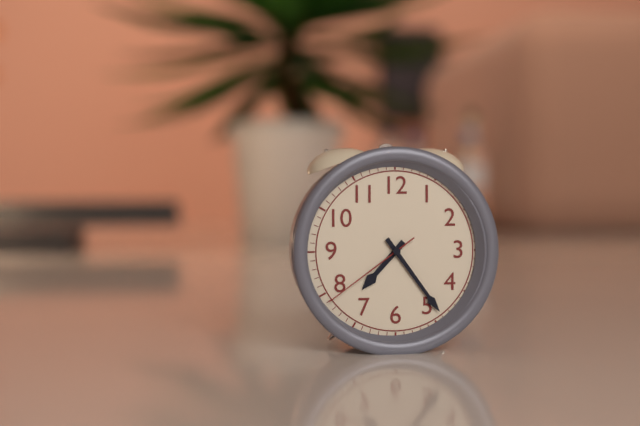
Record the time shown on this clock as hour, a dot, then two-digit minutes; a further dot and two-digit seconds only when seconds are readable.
7.24.39
